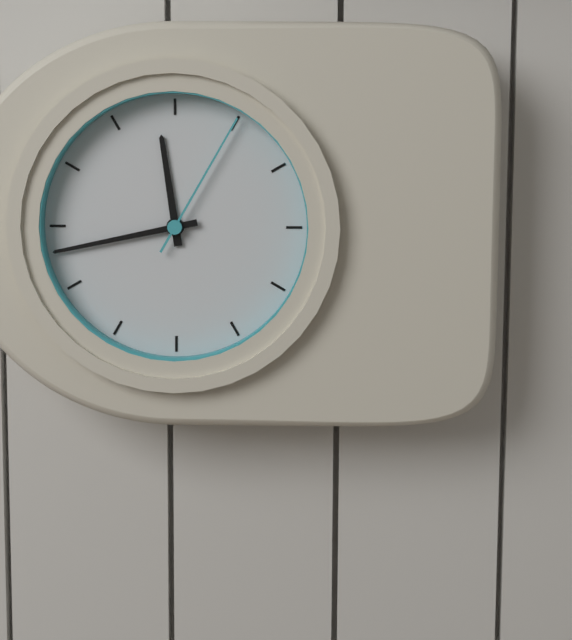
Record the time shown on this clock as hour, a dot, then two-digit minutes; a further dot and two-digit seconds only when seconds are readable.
11.43.05
